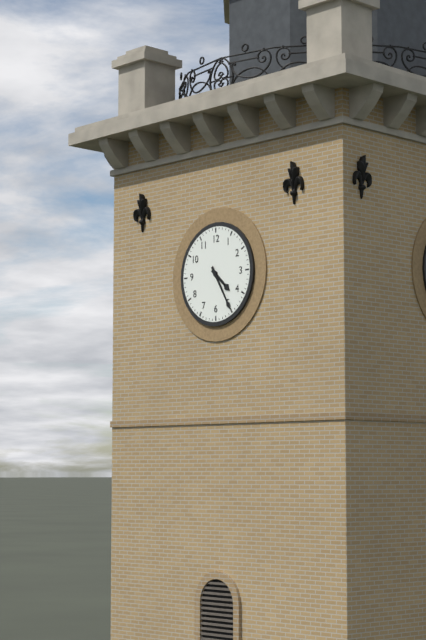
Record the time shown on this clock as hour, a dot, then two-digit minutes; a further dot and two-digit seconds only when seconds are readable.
4.25
